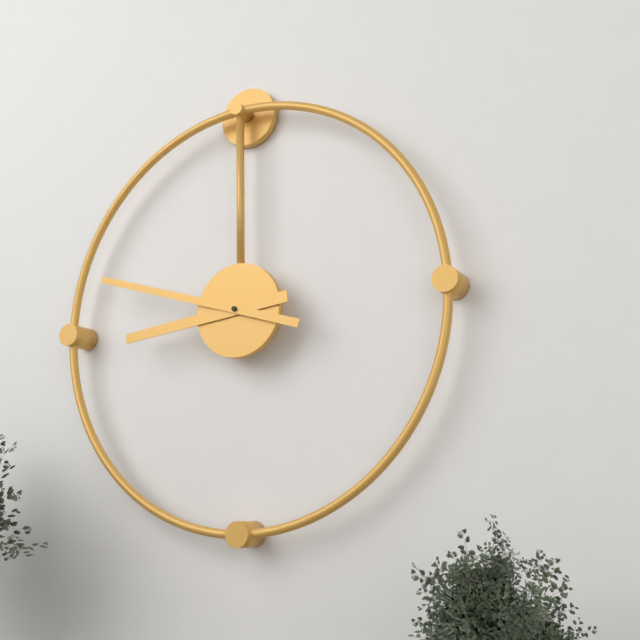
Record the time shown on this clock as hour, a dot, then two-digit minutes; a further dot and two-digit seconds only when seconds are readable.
8.48
